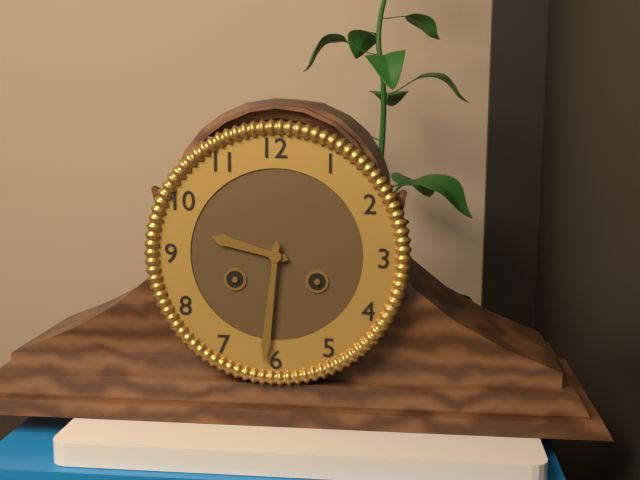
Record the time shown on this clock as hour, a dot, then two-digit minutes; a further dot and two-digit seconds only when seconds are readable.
9.31
